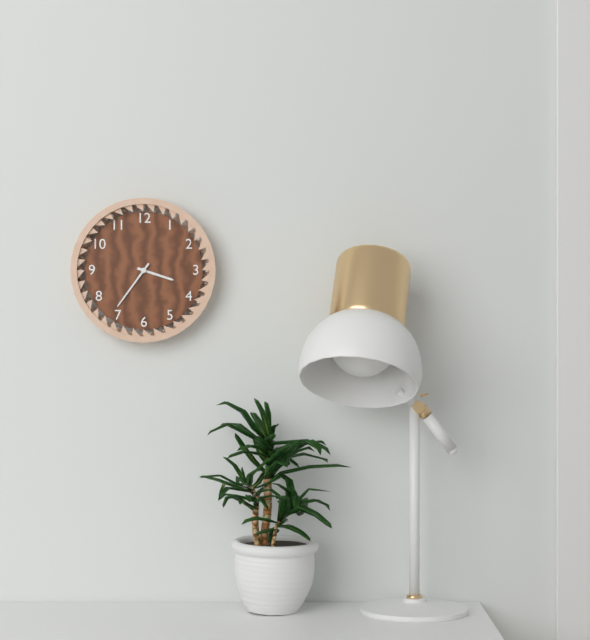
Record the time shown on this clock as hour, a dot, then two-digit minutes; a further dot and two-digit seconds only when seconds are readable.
3.36
